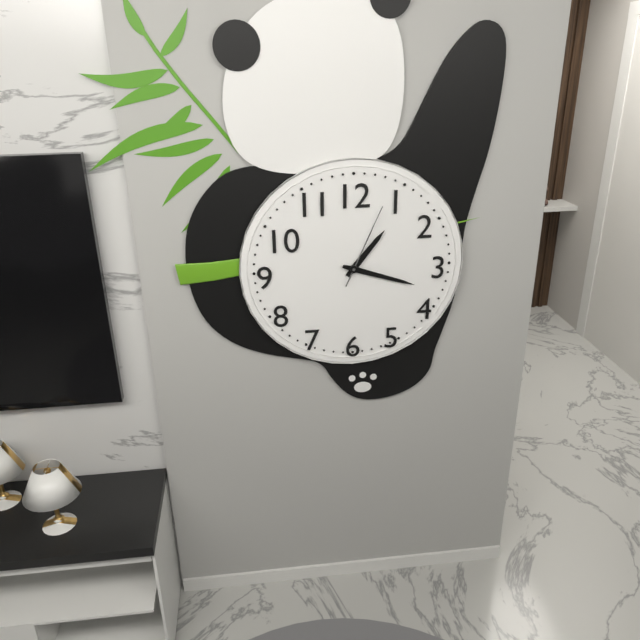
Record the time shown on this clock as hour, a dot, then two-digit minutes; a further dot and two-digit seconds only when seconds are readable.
1.18.04
